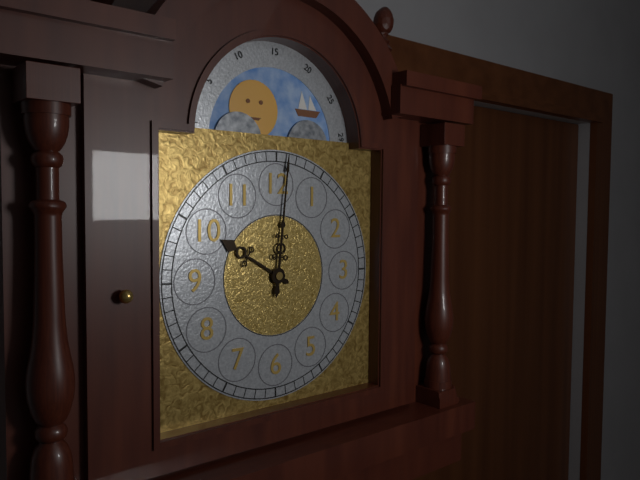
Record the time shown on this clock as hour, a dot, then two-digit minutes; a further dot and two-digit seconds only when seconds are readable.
10.01
